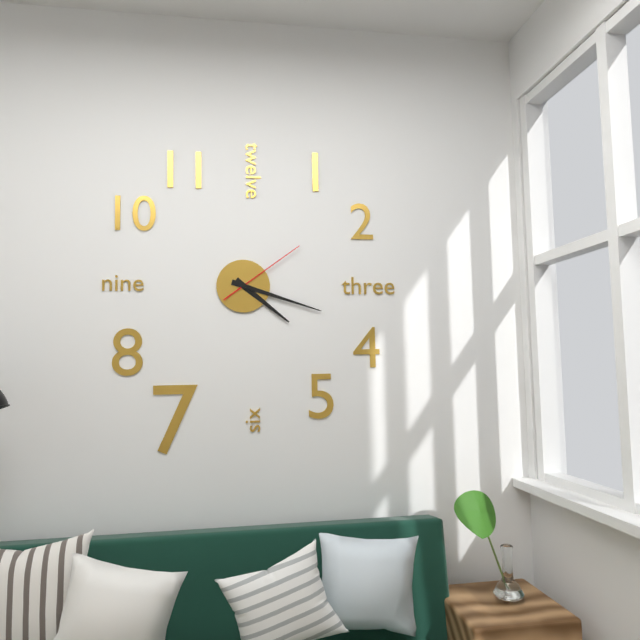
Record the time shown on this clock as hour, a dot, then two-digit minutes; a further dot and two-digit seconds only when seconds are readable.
4.18.09
